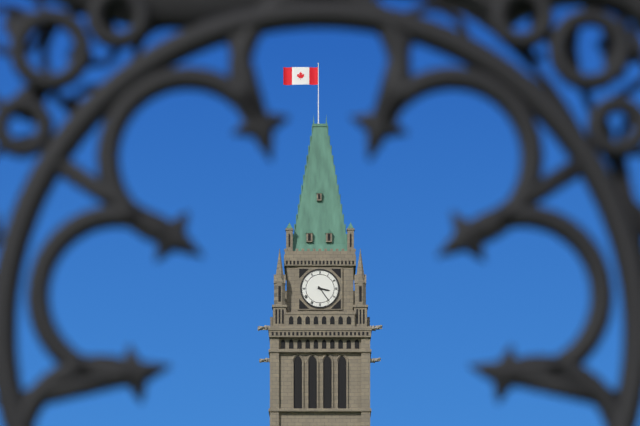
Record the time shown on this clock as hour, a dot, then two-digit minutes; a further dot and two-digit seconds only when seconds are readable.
3.24
